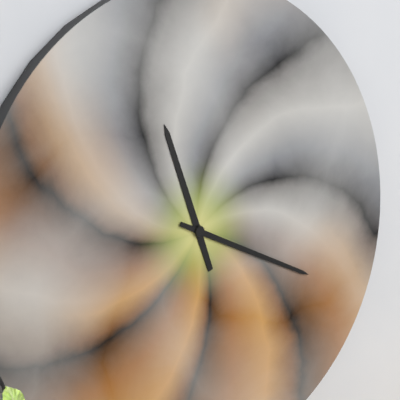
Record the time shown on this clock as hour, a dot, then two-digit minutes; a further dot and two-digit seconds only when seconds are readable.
11.19
